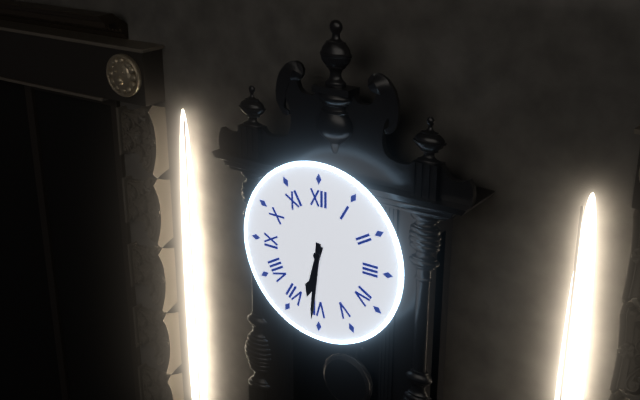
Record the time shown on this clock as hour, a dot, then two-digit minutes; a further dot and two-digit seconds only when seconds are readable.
6.31
